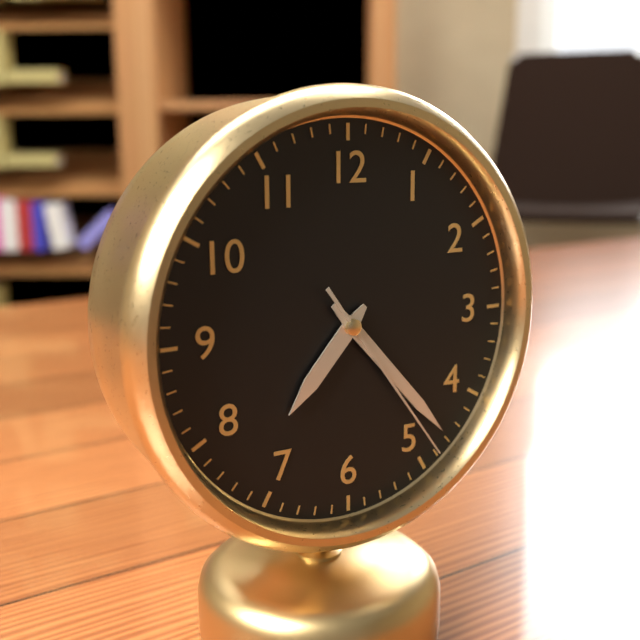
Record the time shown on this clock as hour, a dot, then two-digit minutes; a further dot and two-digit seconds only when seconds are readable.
7.23.24
